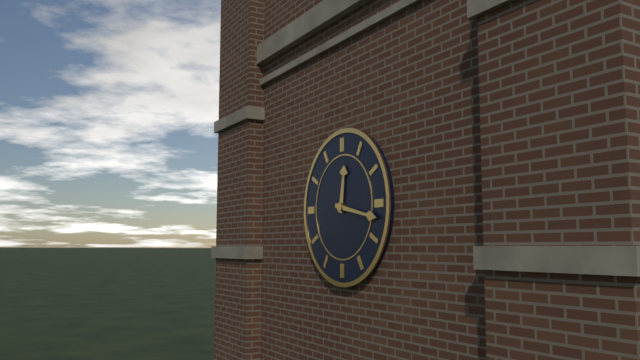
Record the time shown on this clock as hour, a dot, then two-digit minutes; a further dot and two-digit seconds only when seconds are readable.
12.17
